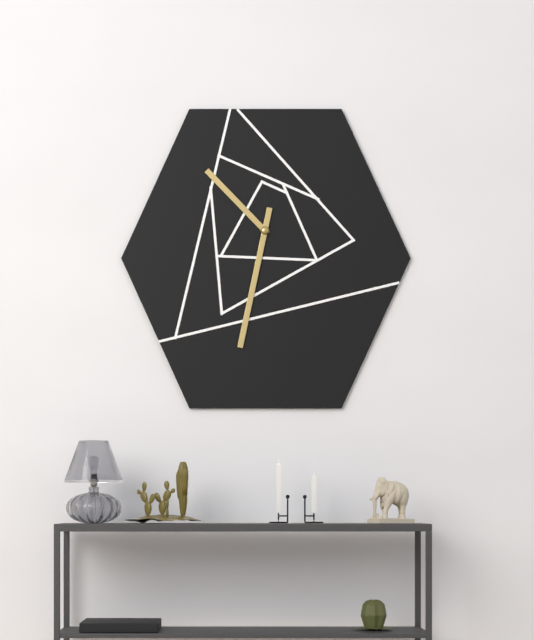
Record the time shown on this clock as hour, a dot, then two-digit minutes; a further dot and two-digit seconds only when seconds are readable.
10.32
